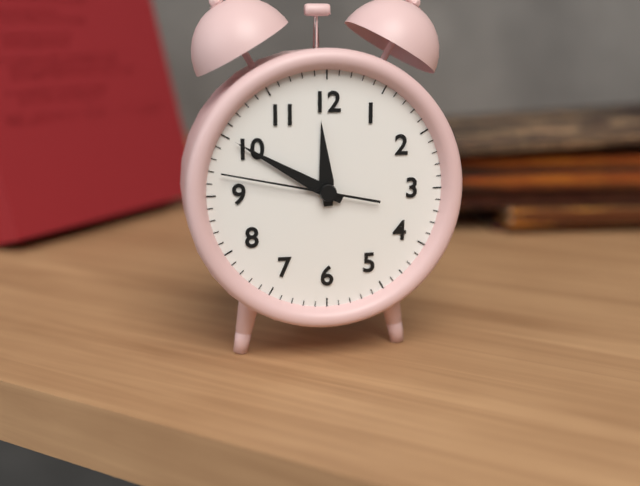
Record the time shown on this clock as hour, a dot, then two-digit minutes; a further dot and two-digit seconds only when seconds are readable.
11.50.47
